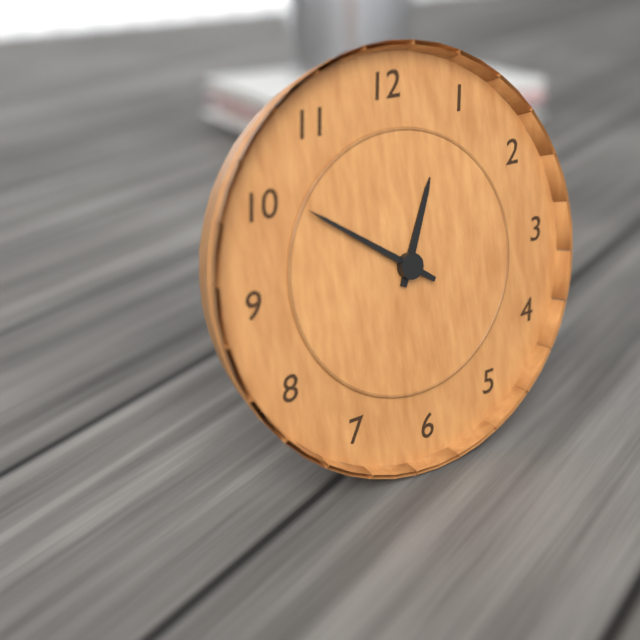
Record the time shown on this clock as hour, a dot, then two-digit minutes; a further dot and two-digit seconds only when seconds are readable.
12.51
